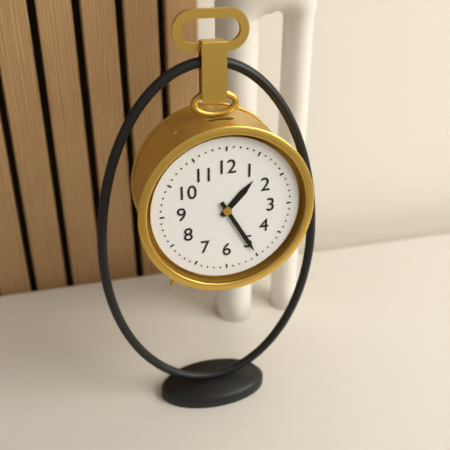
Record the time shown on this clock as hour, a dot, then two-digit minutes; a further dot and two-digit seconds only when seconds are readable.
1.25
